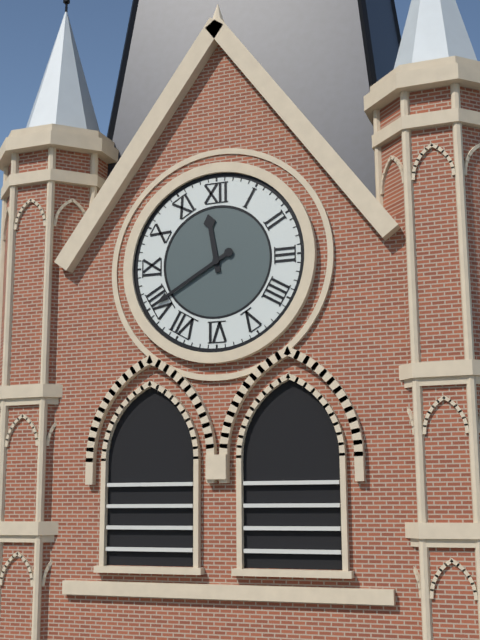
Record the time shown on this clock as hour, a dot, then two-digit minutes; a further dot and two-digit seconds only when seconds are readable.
11.40
